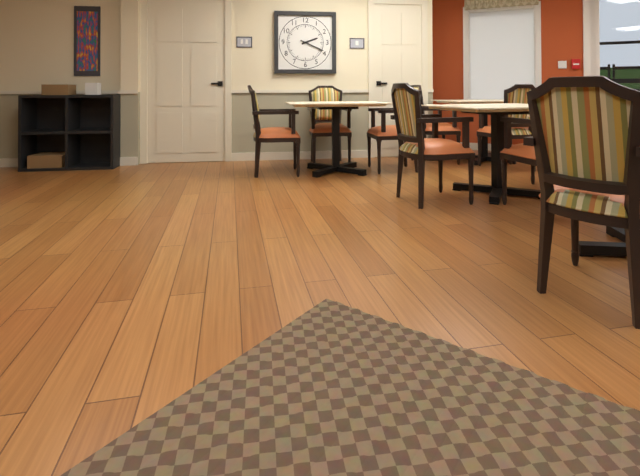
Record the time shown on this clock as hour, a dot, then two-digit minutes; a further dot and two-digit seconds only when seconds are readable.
2.19
